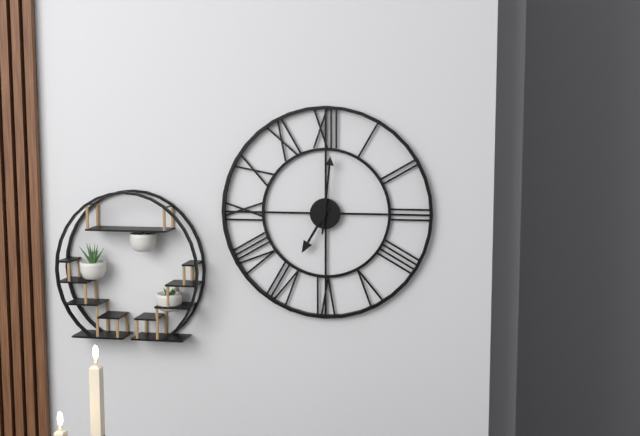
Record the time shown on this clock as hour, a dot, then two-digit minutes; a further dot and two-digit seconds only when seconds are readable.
7.01
